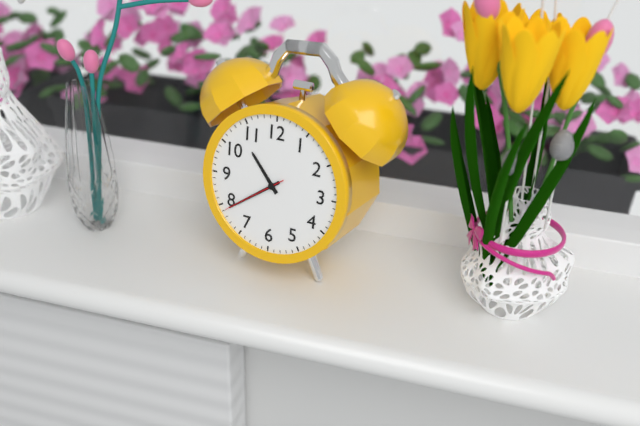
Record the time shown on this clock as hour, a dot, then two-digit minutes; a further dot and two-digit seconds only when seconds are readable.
10.39.39
